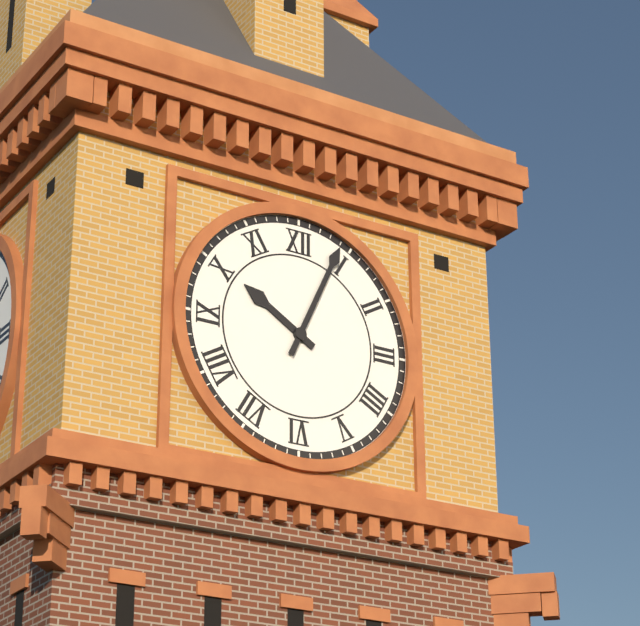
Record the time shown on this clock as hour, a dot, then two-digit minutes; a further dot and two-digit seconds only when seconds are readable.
10.04
